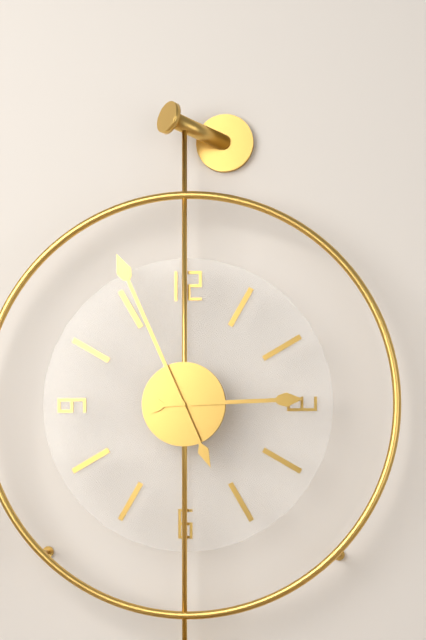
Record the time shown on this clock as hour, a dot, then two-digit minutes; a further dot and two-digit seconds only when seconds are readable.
2.56
